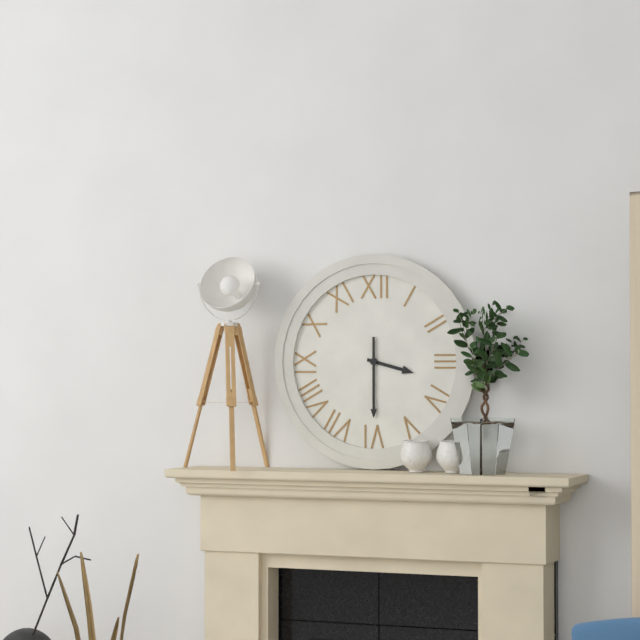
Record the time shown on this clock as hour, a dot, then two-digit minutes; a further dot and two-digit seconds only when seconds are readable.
3.30
